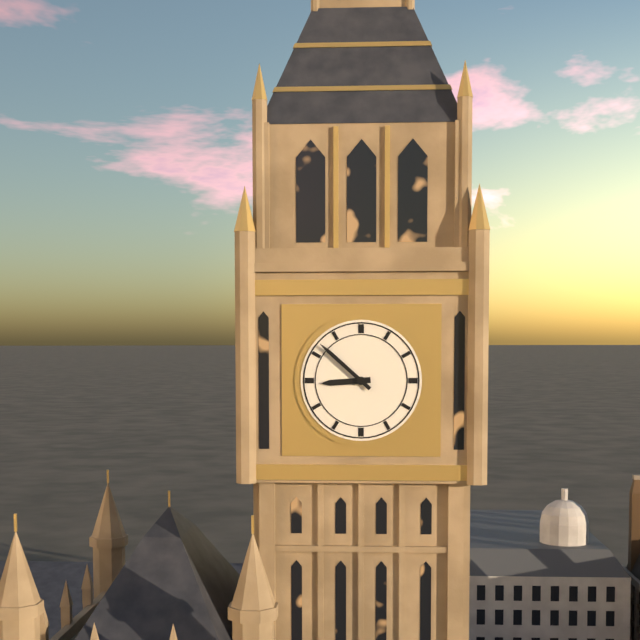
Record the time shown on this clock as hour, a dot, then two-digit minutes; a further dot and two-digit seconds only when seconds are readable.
8.52
